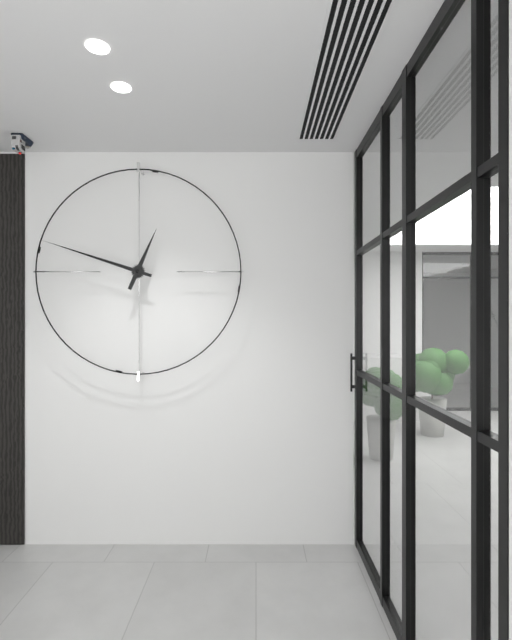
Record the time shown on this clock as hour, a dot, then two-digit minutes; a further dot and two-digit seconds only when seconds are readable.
12.48
